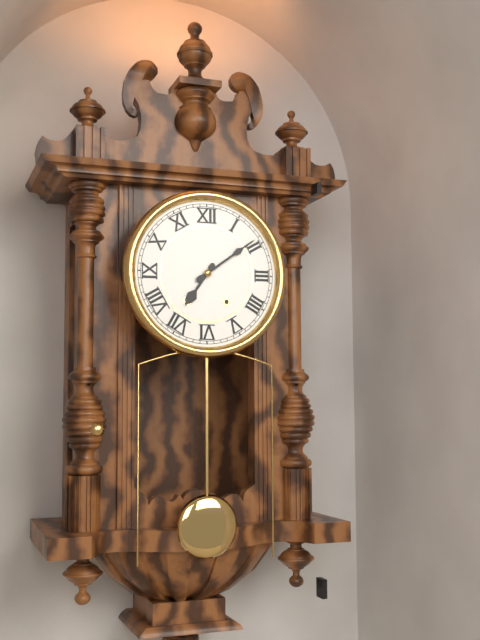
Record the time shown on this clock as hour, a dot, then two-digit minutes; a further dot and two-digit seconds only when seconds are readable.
7.09
